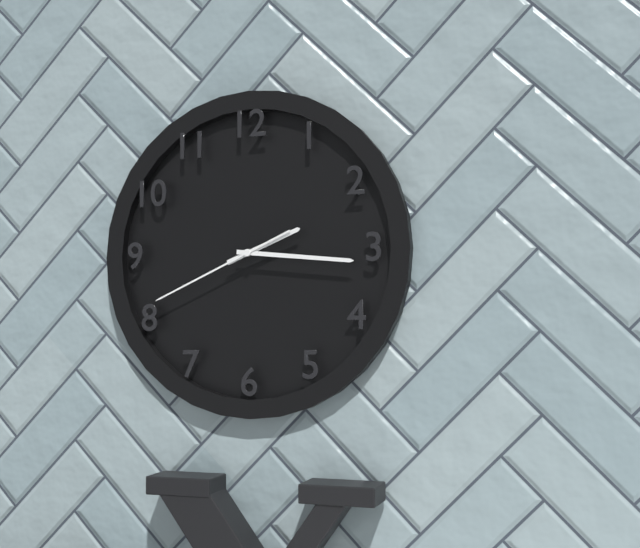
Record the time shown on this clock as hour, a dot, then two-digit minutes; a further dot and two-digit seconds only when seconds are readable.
2.16.41
